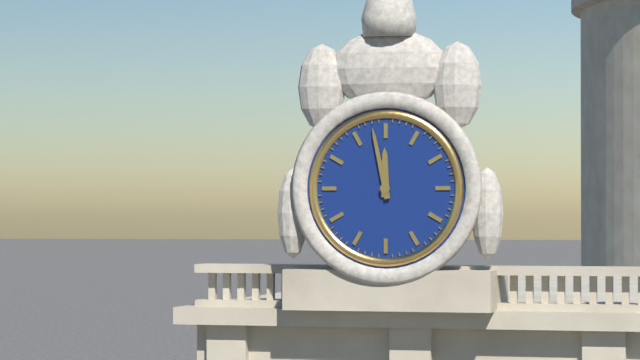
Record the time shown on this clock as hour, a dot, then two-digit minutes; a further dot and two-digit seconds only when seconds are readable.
11.58
